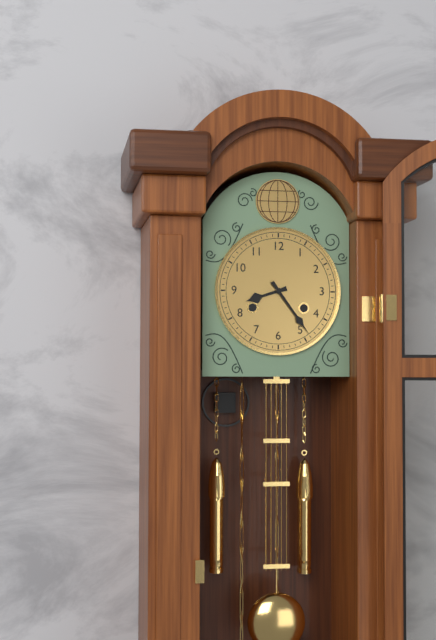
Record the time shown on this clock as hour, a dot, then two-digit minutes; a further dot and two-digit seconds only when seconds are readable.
8.24
